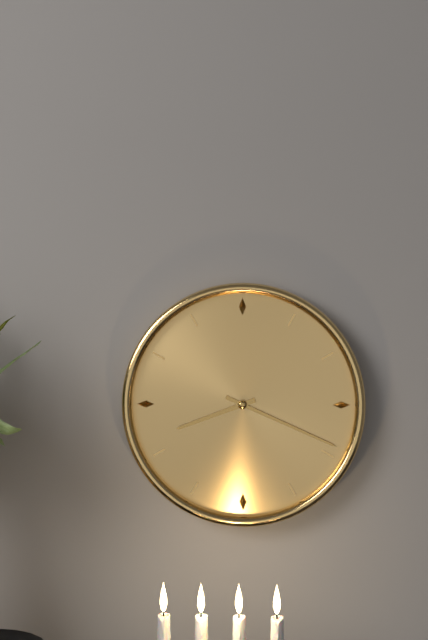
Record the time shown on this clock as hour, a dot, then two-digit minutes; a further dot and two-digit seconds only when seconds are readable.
8.19
